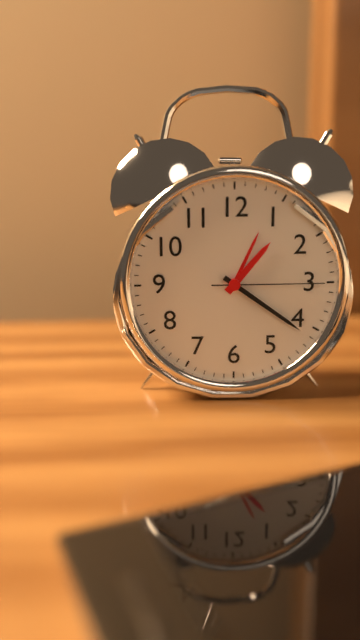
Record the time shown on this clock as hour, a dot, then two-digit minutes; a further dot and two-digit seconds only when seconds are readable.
1.21.15
